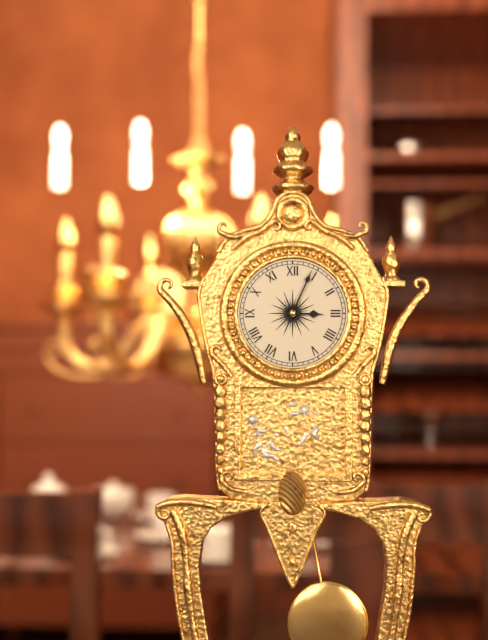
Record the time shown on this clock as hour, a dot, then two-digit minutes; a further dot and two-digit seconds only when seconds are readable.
3.04
